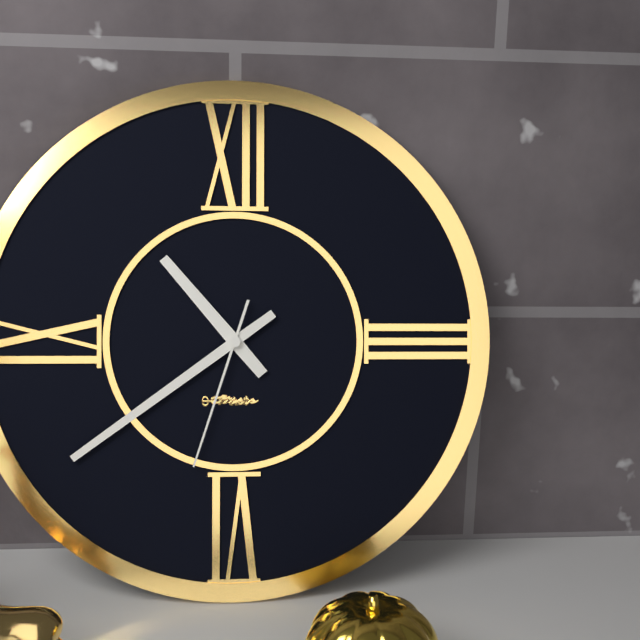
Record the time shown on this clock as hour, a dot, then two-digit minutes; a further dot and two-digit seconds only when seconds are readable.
10.39.33
